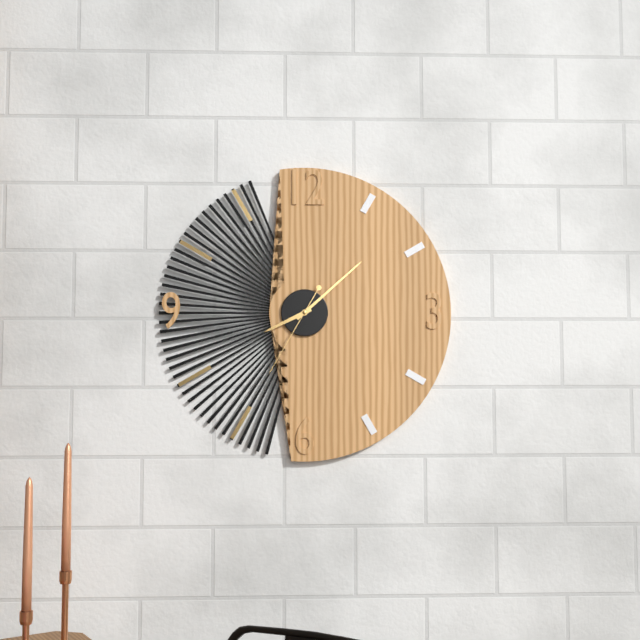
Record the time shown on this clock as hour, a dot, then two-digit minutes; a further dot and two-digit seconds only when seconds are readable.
8.08.35
